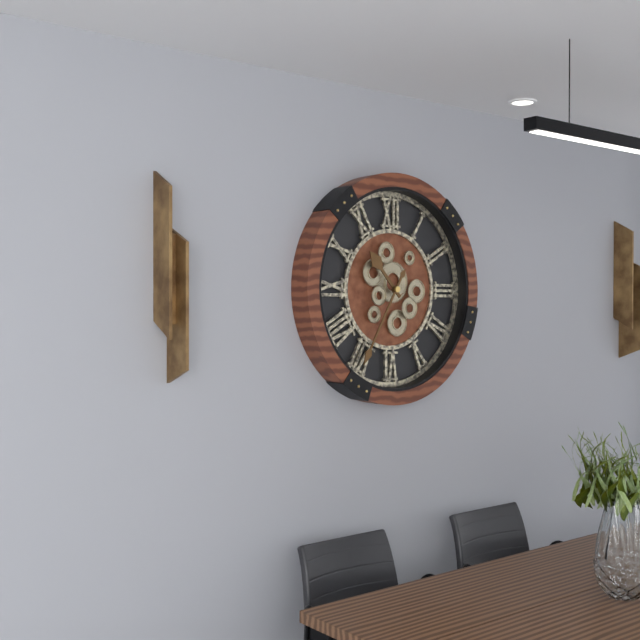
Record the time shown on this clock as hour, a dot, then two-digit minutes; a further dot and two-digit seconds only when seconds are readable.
10.35
